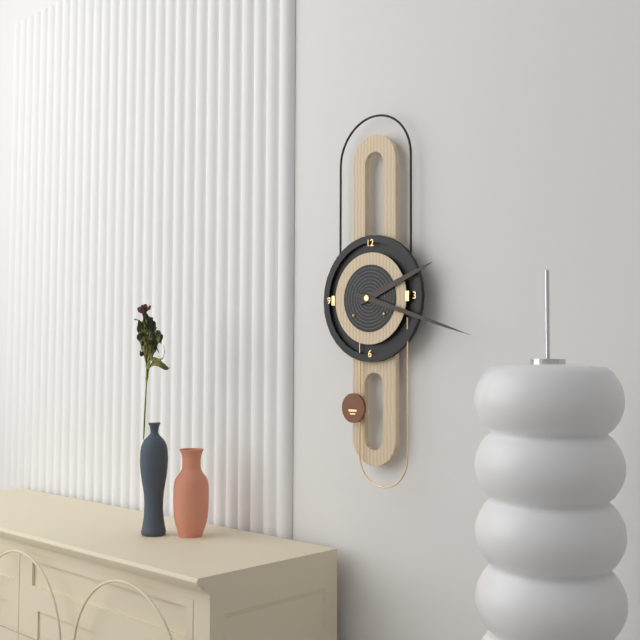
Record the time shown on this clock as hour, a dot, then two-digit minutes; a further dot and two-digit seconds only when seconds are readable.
2.18
